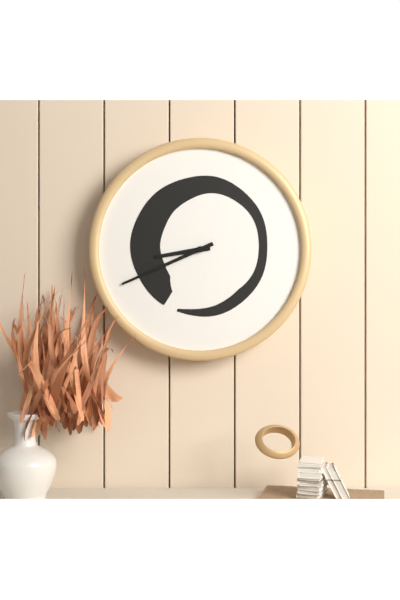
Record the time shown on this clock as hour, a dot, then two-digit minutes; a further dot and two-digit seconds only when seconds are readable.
8.41
